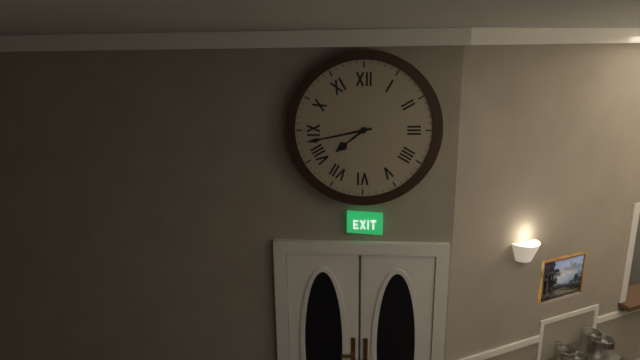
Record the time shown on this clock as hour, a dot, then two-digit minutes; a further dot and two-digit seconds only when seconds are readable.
7.43
